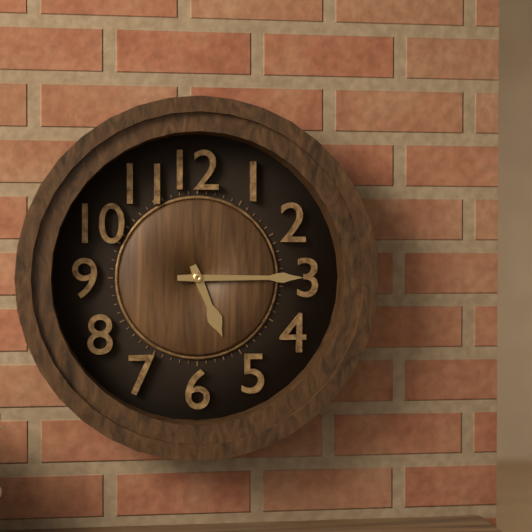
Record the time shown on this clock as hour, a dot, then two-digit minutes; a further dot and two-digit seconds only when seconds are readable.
5.15
